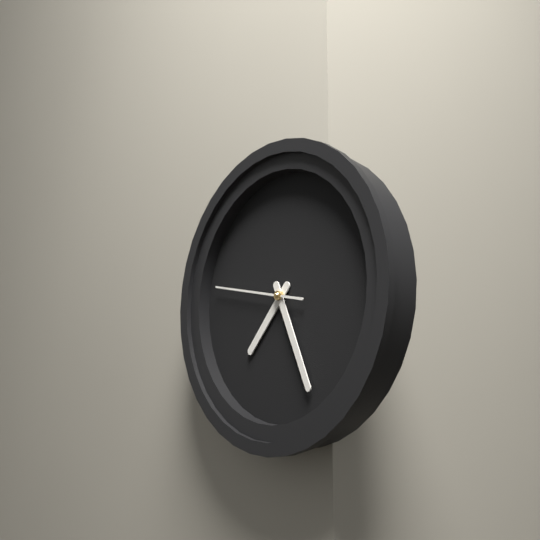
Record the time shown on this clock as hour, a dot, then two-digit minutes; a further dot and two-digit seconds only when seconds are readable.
7.26.47
